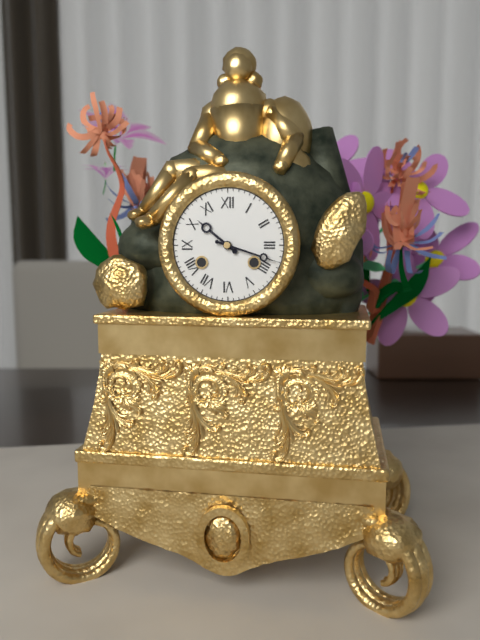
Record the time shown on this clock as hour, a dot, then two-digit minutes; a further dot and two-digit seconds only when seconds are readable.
10.18
